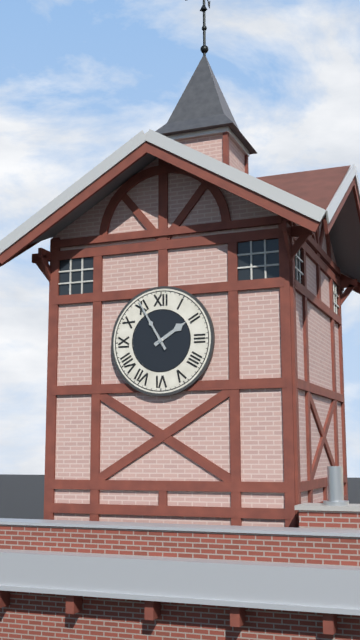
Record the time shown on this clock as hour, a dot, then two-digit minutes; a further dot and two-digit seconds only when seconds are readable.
1.55
